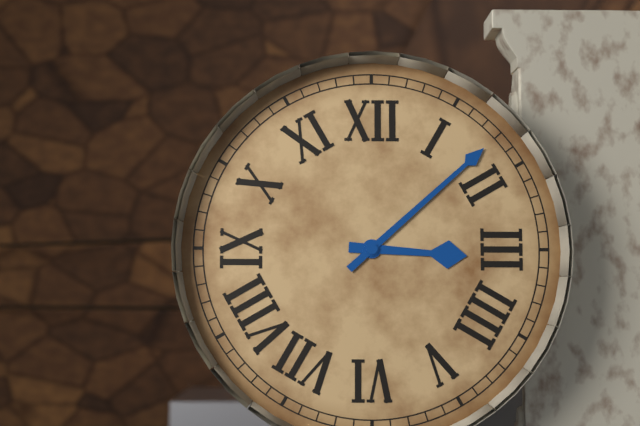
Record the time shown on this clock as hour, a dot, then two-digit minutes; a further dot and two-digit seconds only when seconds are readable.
3.08
